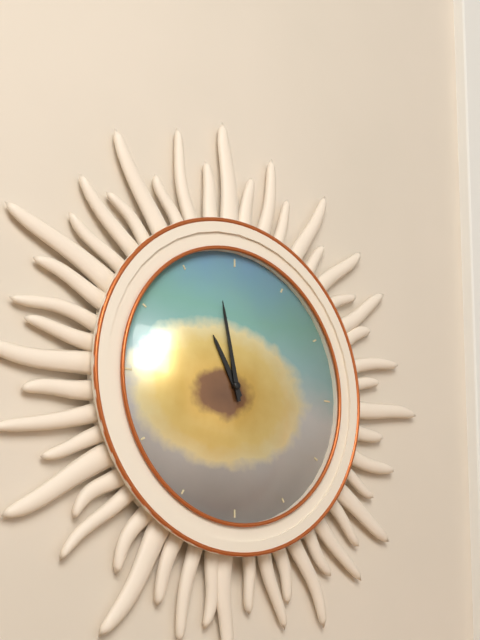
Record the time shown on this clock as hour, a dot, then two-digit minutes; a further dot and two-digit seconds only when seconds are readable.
10.58
